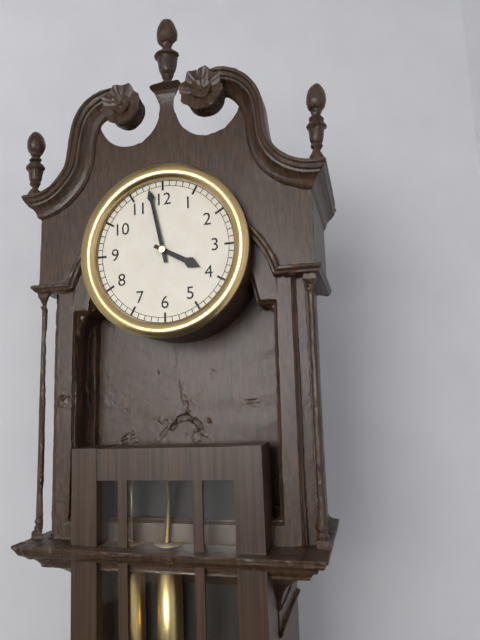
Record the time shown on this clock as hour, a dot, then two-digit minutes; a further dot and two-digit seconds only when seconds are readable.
3.58
